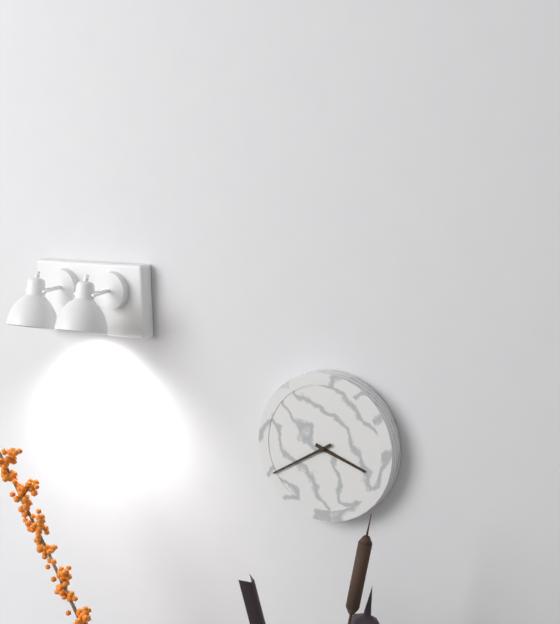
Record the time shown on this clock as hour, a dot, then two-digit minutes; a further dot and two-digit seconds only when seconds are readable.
3.40
